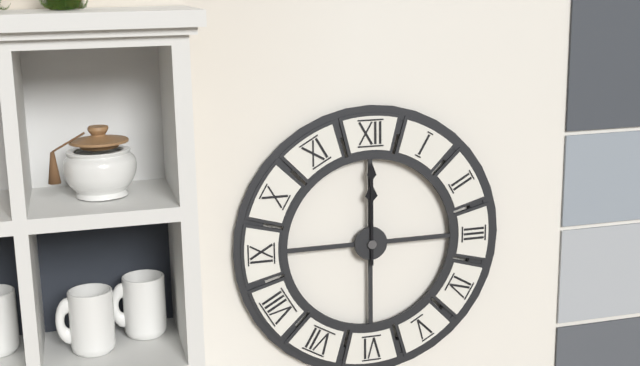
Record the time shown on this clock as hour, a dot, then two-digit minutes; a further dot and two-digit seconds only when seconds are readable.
12.00
